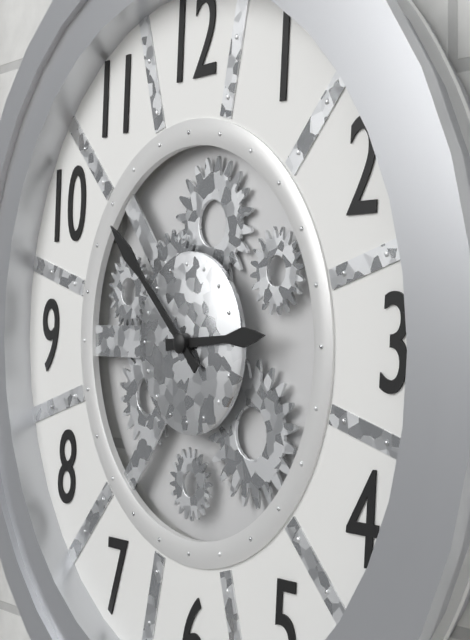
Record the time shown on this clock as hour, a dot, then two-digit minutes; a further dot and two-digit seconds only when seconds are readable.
2.52
